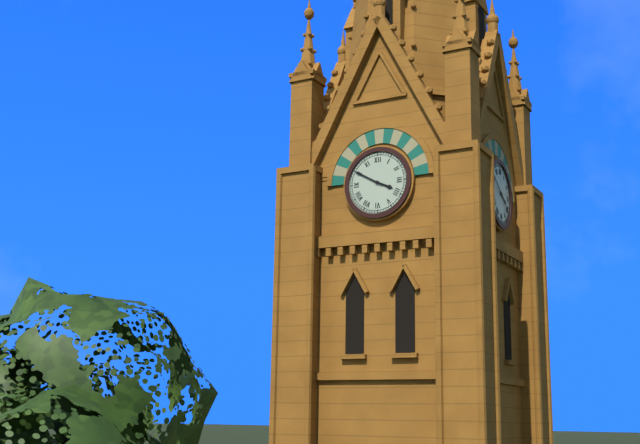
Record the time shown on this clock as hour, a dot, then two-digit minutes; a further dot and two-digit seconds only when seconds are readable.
3.50
